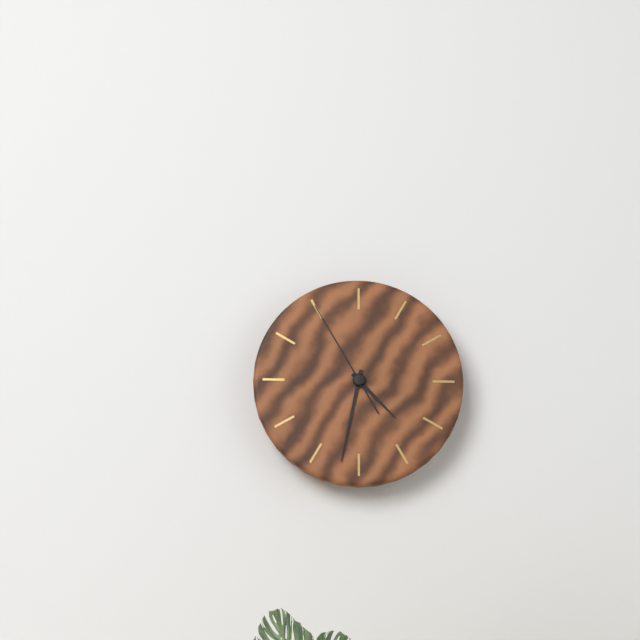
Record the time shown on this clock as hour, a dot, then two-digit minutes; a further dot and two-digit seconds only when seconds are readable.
4.32.55
